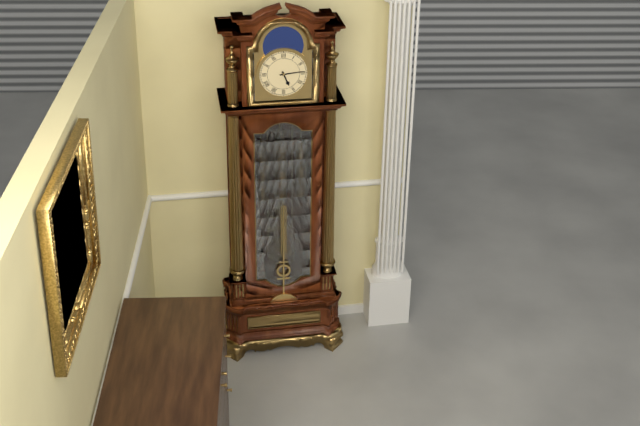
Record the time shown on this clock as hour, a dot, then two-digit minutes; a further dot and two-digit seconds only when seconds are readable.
5.14
